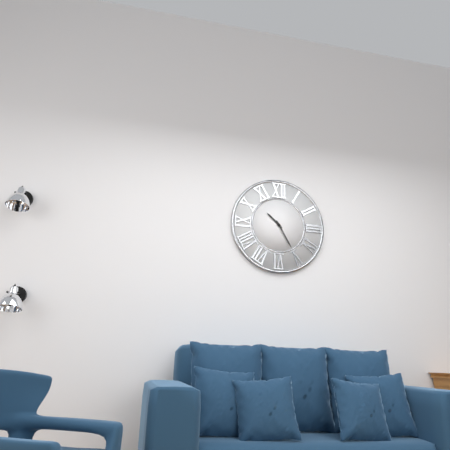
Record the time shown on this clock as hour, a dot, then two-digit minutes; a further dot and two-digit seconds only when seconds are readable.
10.25
